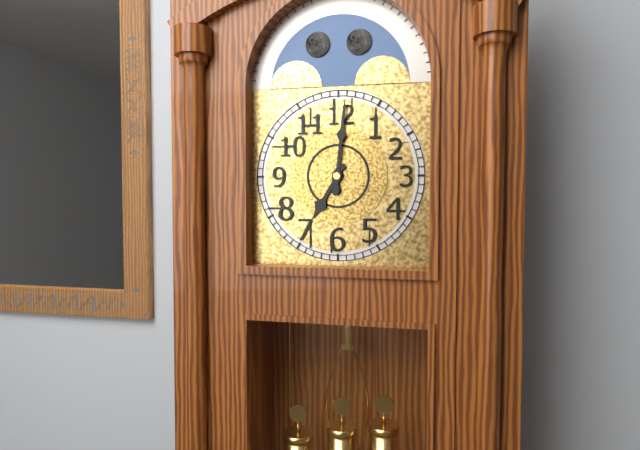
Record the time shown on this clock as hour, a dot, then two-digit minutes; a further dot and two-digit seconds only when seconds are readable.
7.01
